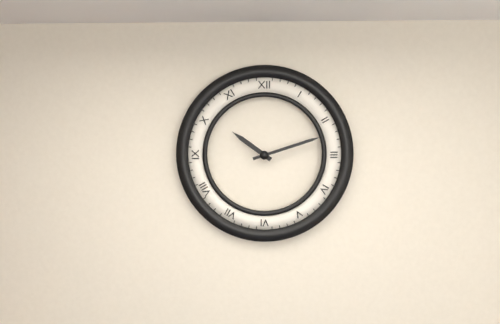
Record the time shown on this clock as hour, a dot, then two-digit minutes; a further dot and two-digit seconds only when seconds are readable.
10.12
